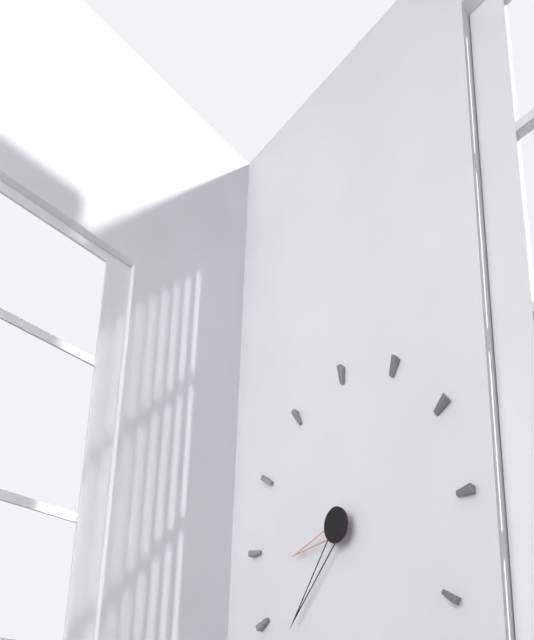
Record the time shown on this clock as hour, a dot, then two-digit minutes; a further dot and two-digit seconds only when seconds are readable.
8.37
